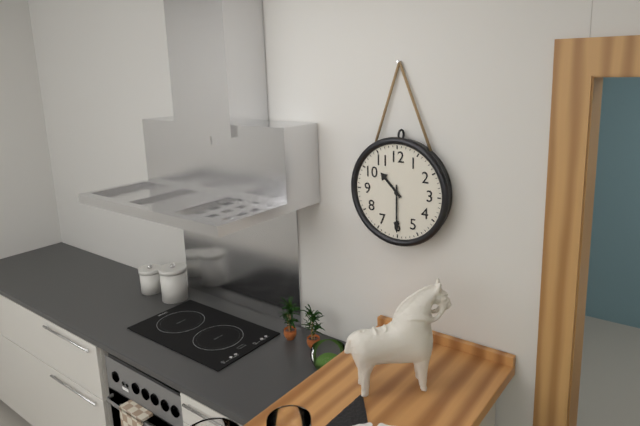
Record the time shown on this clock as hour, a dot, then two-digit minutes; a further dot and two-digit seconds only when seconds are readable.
10.30
